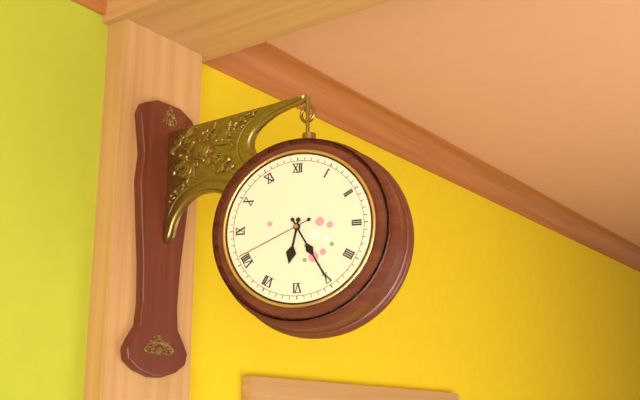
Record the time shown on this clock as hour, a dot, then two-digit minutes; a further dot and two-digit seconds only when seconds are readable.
6.25.41
